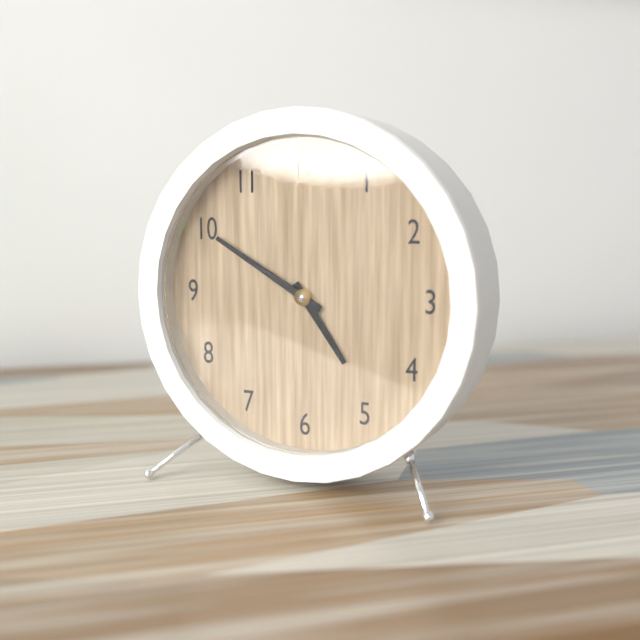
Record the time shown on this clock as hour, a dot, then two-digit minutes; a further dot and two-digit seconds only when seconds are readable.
4.50
